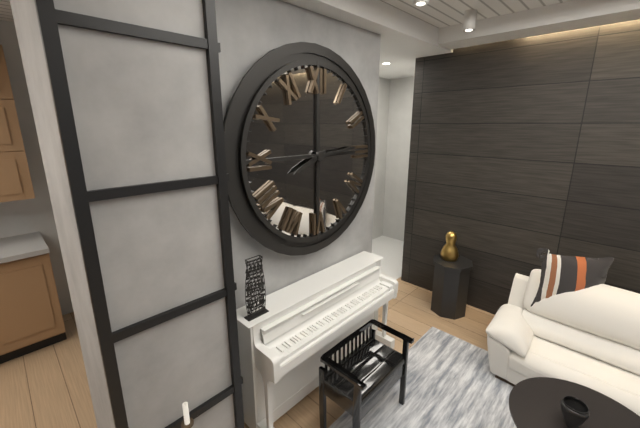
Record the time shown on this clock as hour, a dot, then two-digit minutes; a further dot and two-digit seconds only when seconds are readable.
8.14
